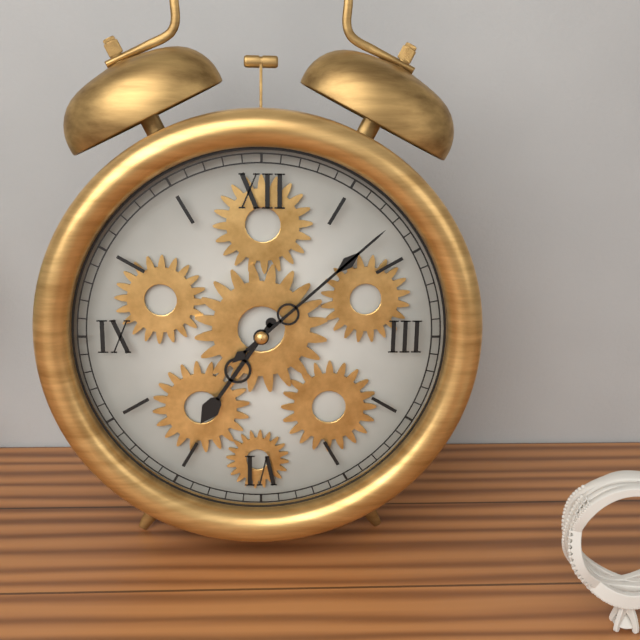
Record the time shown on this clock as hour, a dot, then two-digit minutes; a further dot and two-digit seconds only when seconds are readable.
7.08
